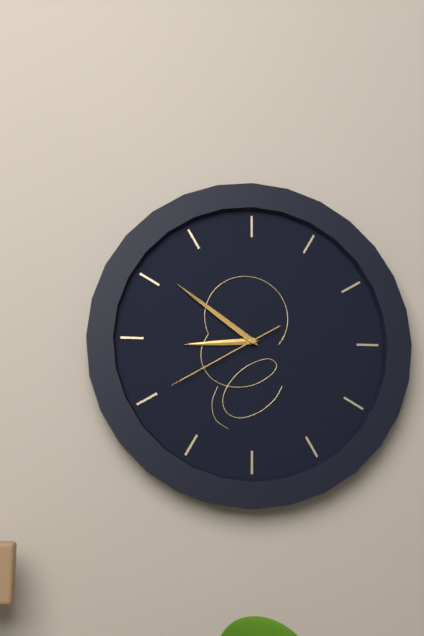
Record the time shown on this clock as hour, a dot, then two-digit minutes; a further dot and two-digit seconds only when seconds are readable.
8.51.40
